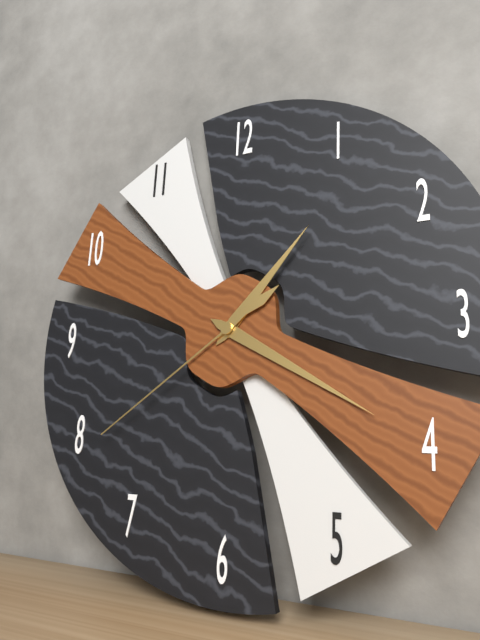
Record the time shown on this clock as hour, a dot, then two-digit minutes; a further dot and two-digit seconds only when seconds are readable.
1.20.39
